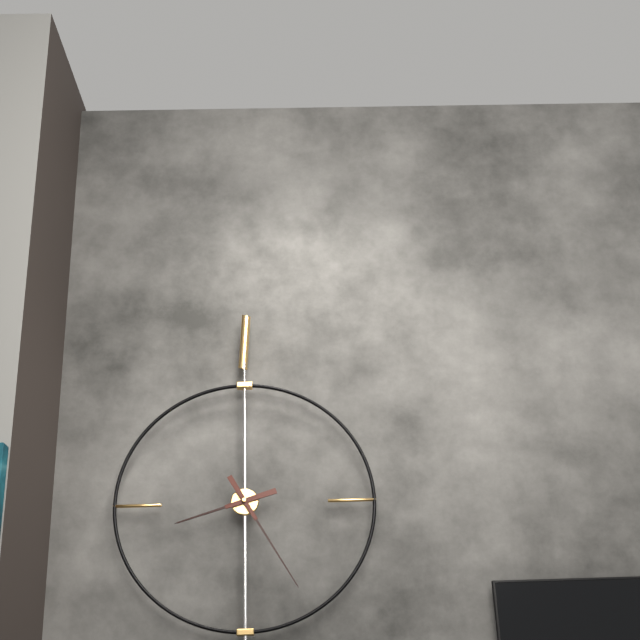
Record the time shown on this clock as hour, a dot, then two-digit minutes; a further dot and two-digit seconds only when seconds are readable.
8.25
